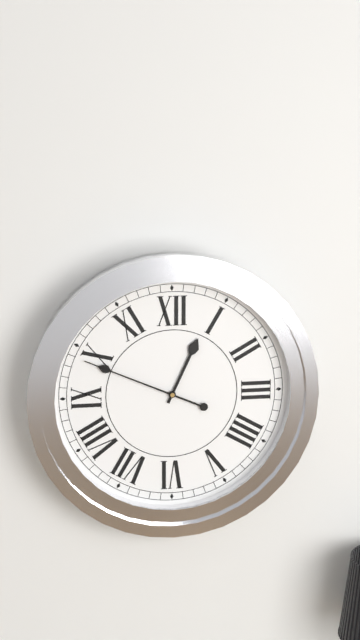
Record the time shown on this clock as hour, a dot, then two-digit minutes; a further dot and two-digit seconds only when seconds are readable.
12.49
